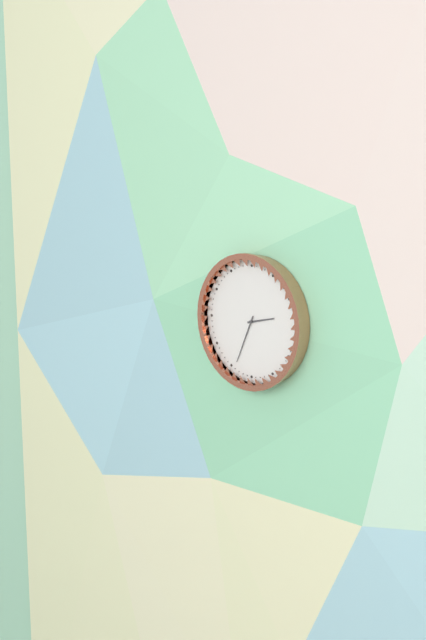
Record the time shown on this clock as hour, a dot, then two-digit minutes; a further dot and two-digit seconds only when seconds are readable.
2.34
